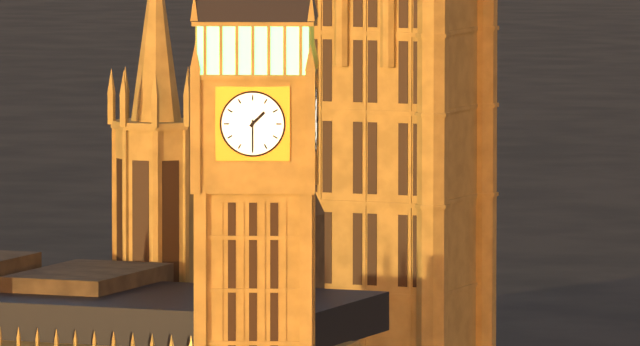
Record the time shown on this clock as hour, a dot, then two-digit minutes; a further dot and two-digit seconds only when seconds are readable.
1.30
